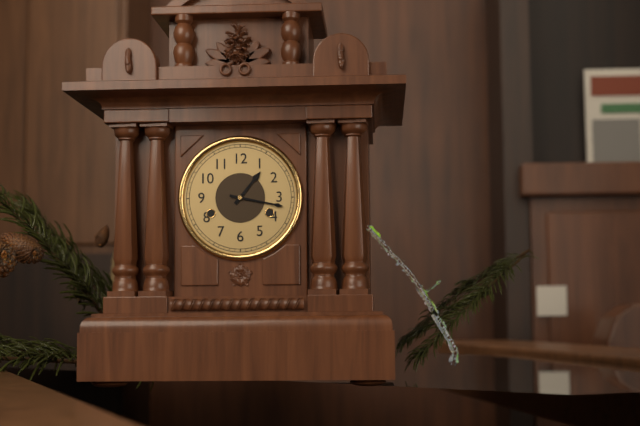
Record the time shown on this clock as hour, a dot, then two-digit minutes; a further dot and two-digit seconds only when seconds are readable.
1.17
